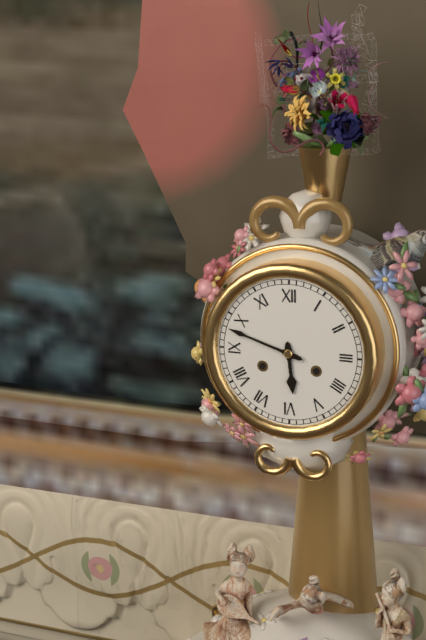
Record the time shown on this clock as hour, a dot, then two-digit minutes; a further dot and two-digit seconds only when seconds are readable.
5.48
